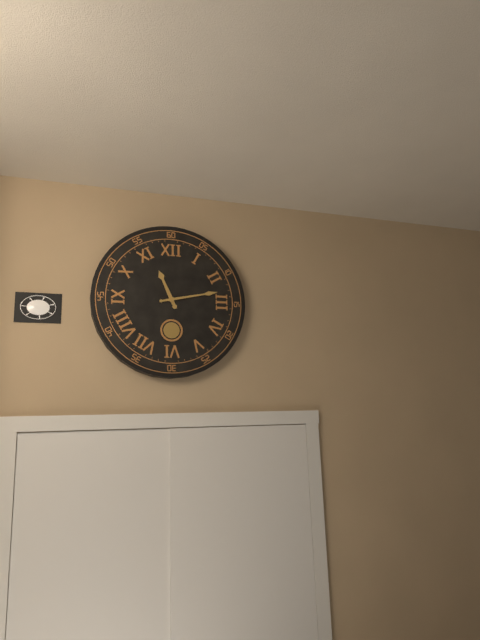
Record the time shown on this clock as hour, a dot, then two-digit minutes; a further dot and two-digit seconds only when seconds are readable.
11.13
